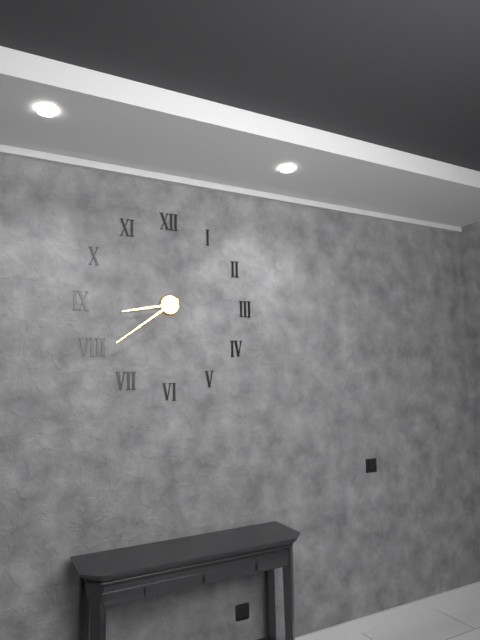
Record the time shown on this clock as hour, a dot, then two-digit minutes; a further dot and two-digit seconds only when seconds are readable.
8.39
